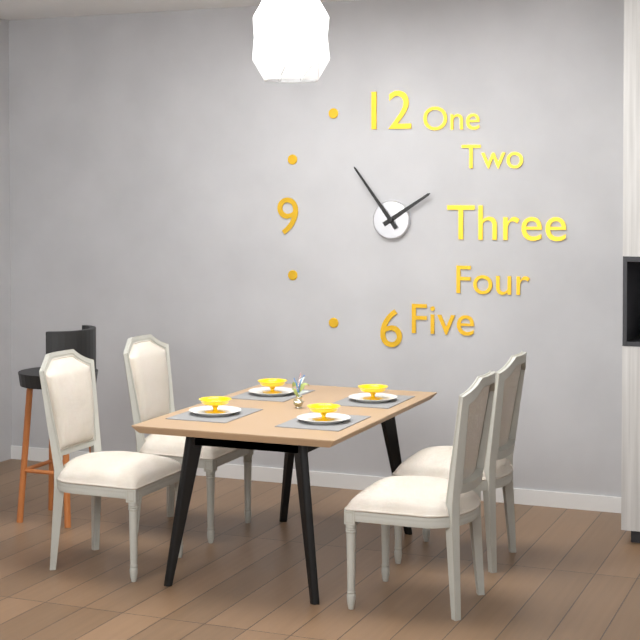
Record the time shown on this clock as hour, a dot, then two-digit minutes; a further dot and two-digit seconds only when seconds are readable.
1.54
